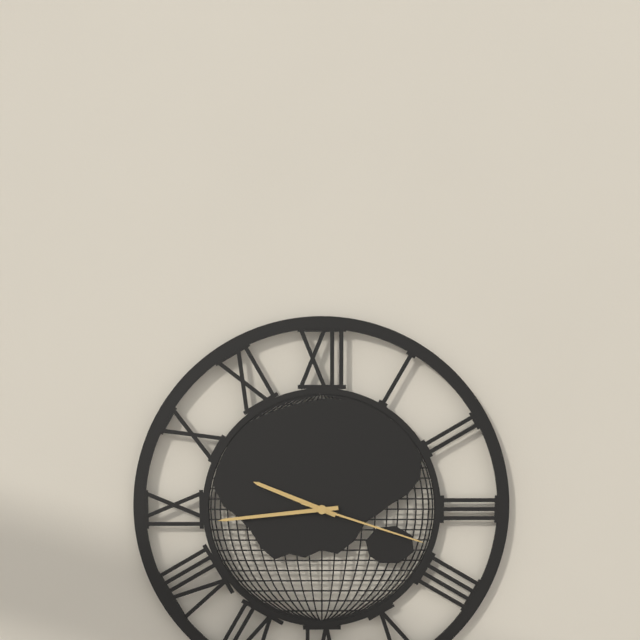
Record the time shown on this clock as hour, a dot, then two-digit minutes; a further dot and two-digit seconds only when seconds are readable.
9.44.18
